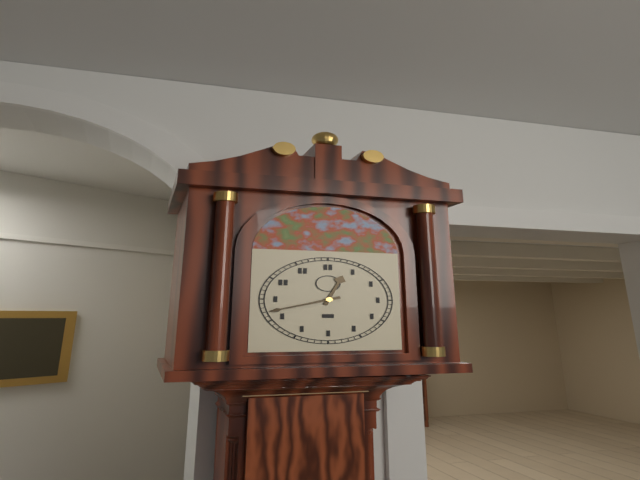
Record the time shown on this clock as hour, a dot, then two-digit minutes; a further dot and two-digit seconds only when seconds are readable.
12.42
